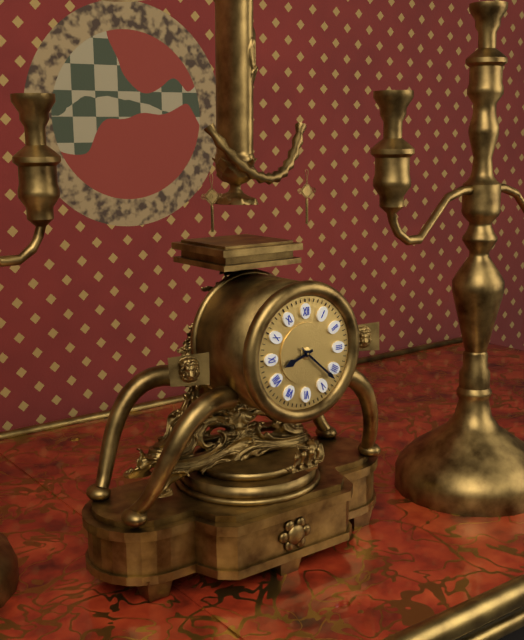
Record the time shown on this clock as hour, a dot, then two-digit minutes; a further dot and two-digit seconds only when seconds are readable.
8.22
